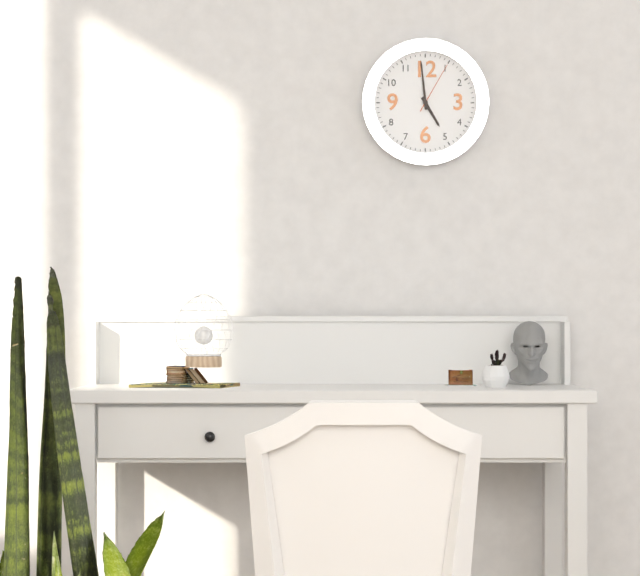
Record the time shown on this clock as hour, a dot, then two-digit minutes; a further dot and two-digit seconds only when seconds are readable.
4.59.05
